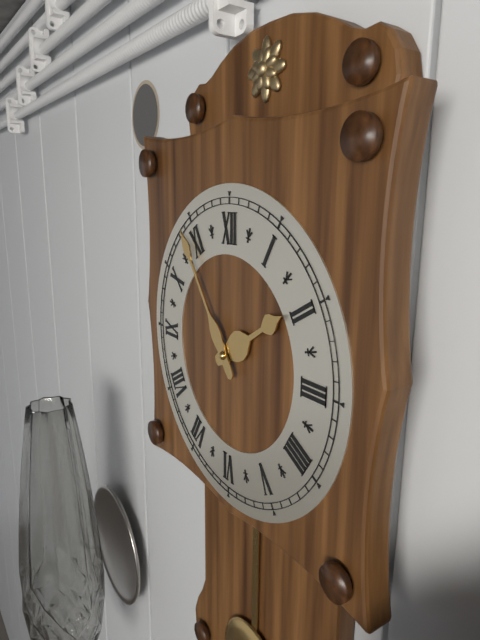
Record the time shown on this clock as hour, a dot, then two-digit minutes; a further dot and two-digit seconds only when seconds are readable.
1.54
